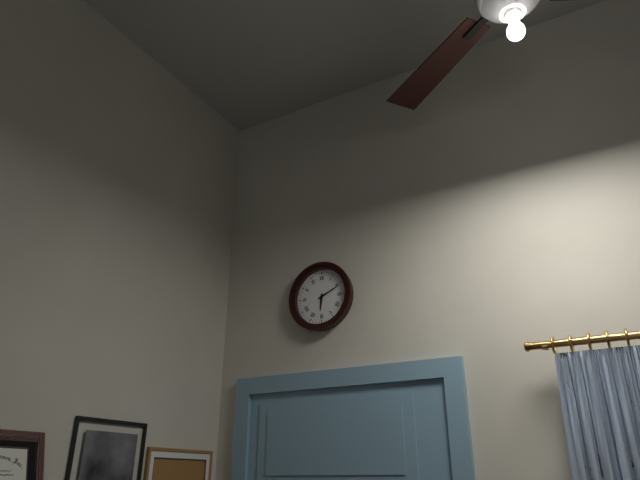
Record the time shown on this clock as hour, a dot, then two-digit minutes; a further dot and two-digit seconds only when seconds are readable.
6.11
